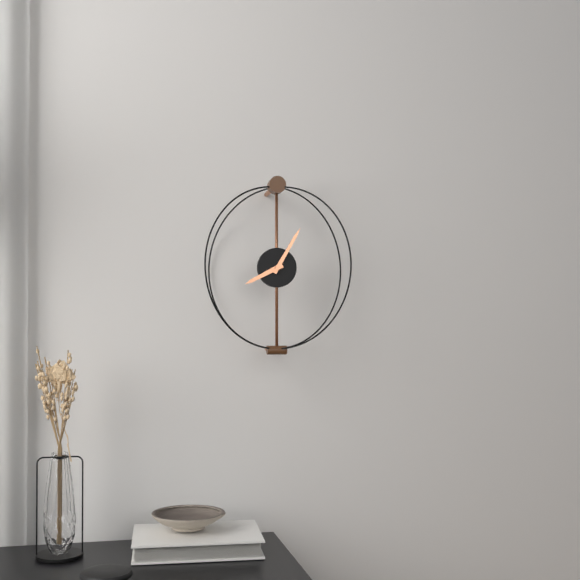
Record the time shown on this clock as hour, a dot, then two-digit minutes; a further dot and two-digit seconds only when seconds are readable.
8.05
